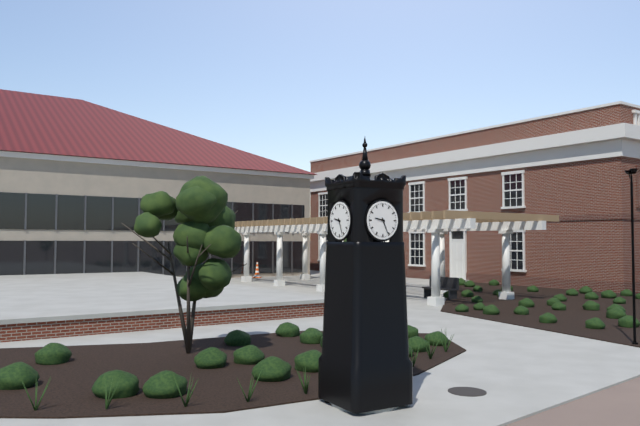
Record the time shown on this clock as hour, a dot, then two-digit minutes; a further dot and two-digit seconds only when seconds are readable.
9.26
